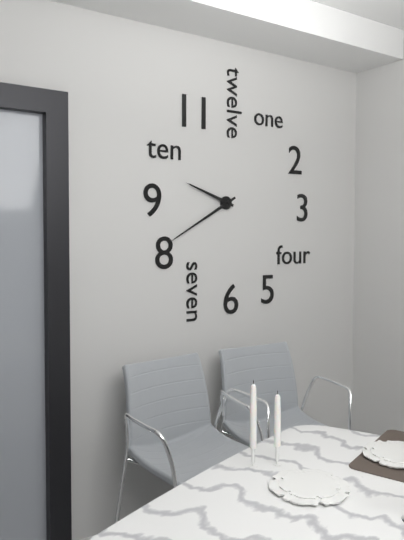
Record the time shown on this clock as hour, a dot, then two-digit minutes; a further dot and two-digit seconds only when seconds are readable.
9.40
